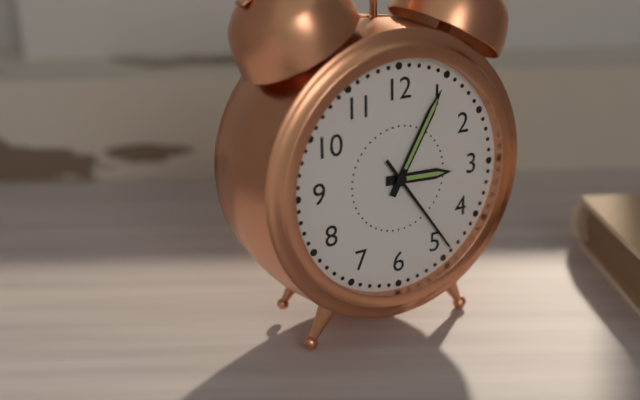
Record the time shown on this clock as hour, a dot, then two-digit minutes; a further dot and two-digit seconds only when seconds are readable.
3.05.24
